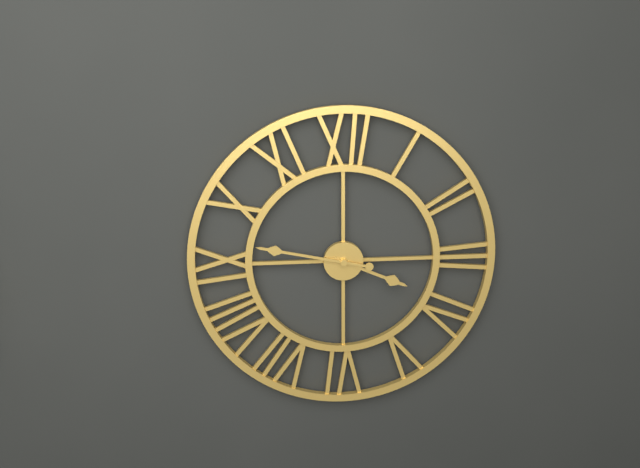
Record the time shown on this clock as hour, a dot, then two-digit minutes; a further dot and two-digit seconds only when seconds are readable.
3.47
